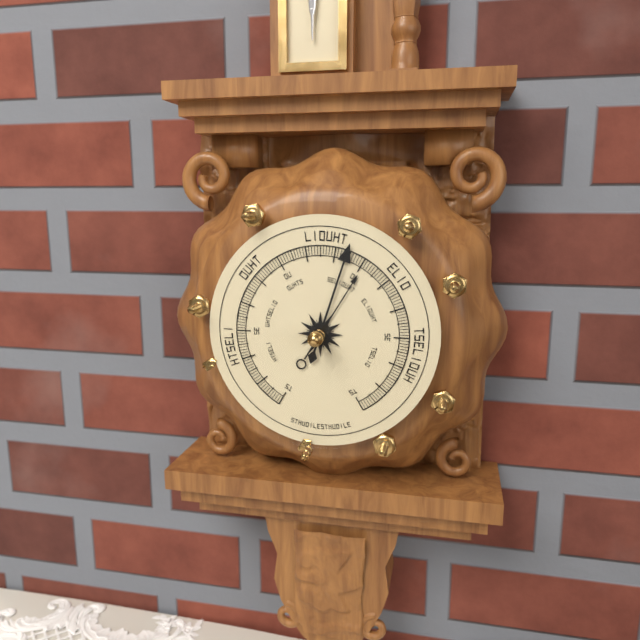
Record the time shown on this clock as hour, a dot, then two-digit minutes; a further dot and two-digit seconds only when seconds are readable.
1.03
